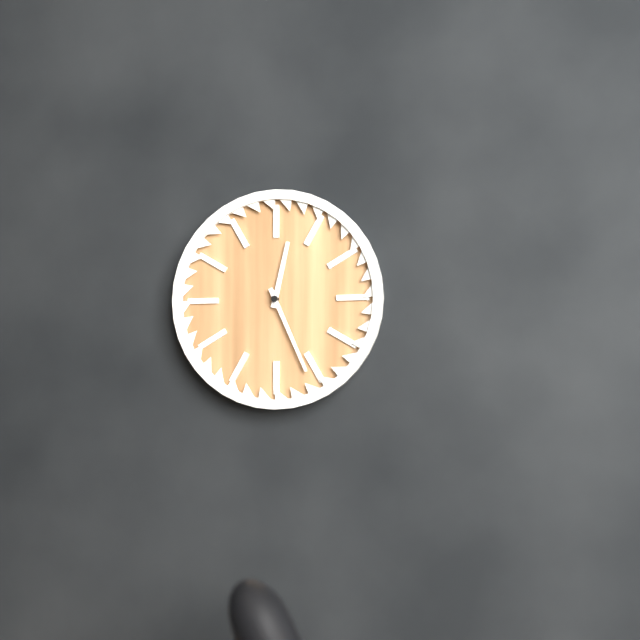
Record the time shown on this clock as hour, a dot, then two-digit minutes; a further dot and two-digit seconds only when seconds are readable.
12.26
